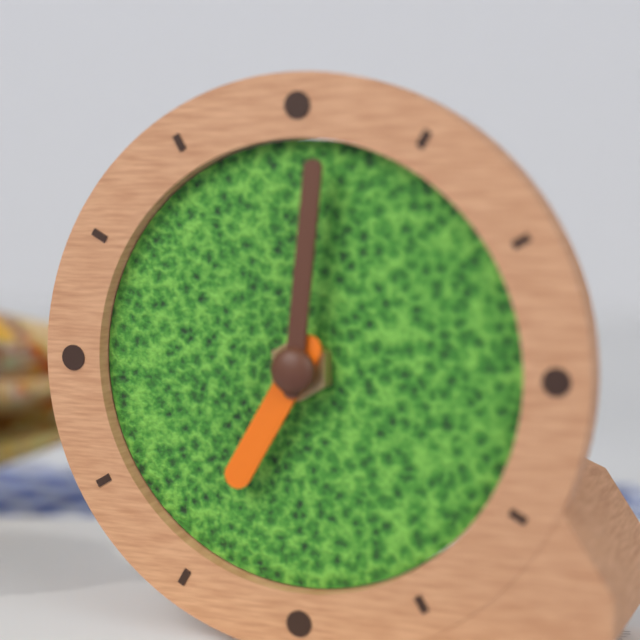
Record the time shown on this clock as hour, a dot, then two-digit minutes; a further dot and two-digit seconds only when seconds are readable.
7.01
